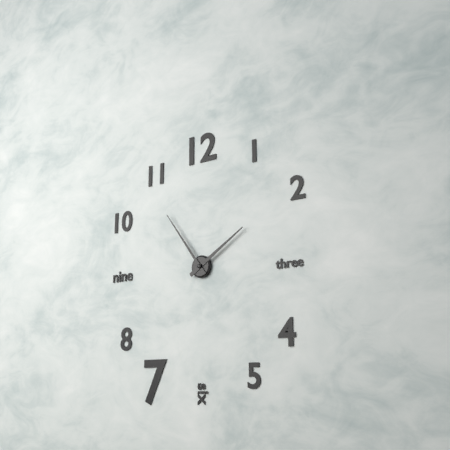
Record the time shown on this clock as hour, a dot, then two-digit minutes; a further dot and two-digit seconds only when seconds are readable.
1.54
